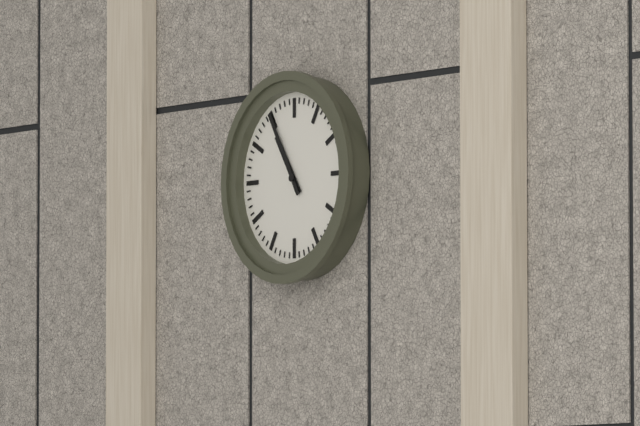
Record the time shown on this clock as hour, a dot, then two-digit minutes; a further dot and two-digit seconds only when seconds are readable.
10.55
